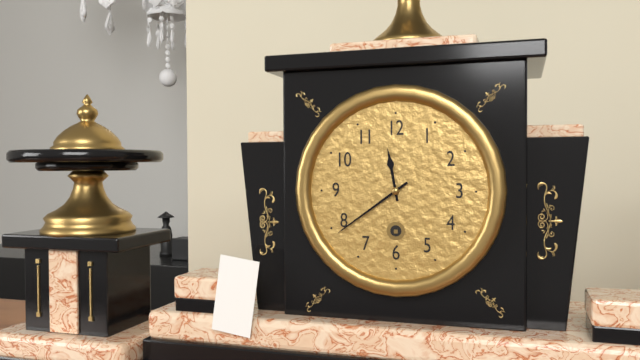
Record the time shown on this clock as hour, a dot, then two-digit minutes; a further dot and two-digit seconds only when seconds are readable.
11.39
